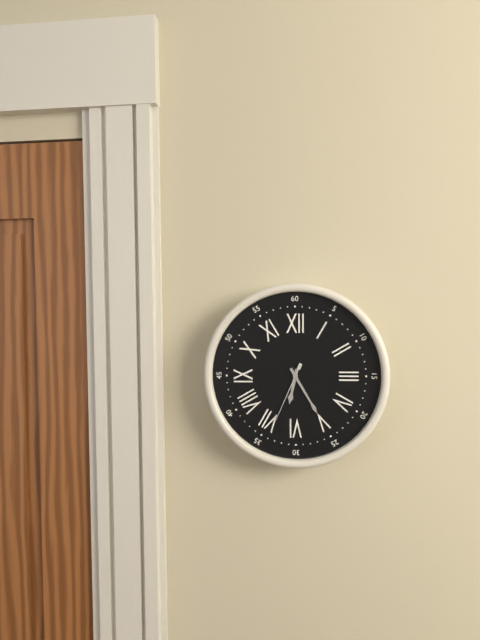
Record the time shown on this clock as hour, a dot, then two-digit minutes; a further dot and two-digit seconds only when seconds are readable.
6.25.34
